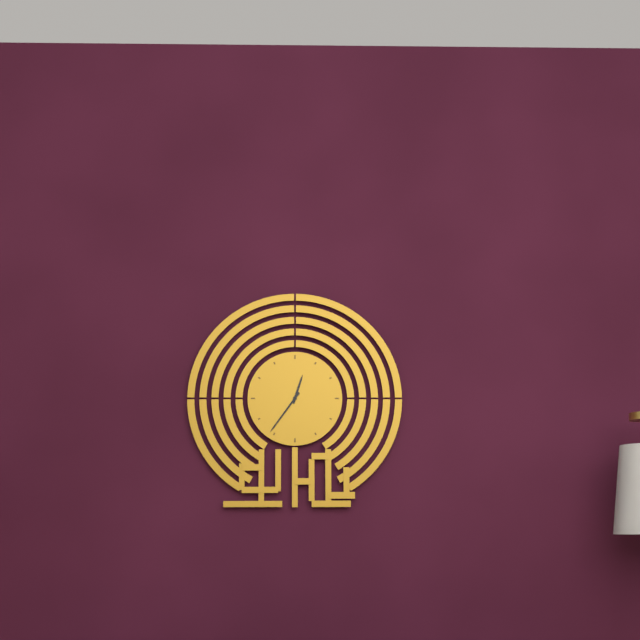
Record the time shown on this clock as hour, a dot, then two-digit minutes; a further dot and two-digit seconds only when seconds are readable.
12.36
